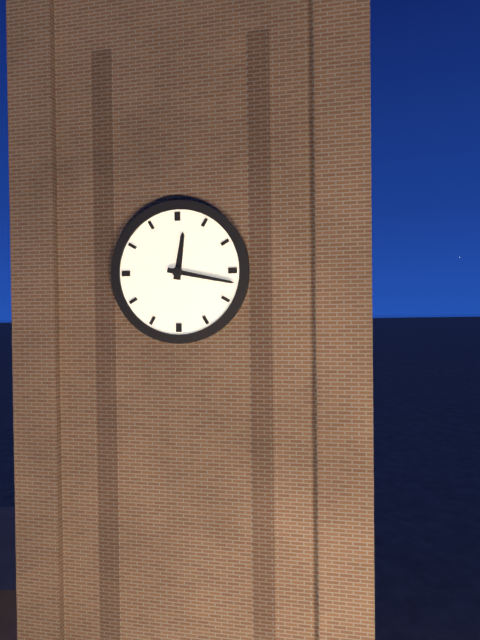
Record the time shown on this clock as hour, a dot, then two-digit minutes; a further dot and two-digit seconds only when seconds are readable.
12.17
